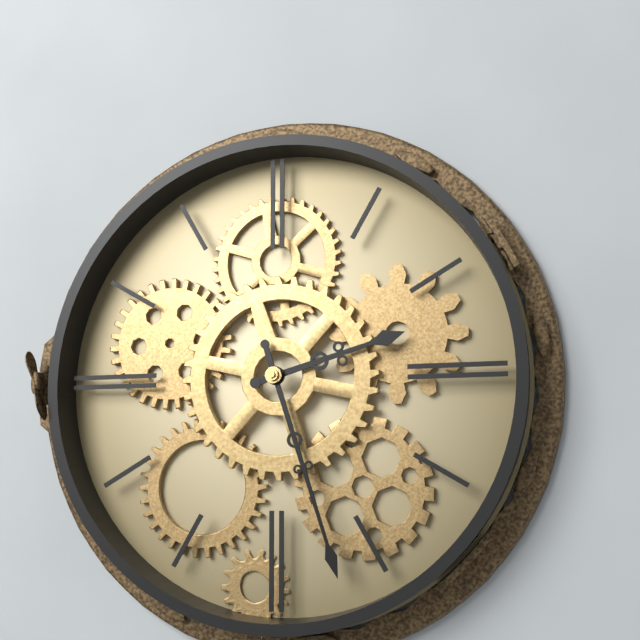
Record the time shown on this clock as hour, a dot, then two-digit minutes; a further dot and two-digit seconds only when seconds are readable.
2.27
